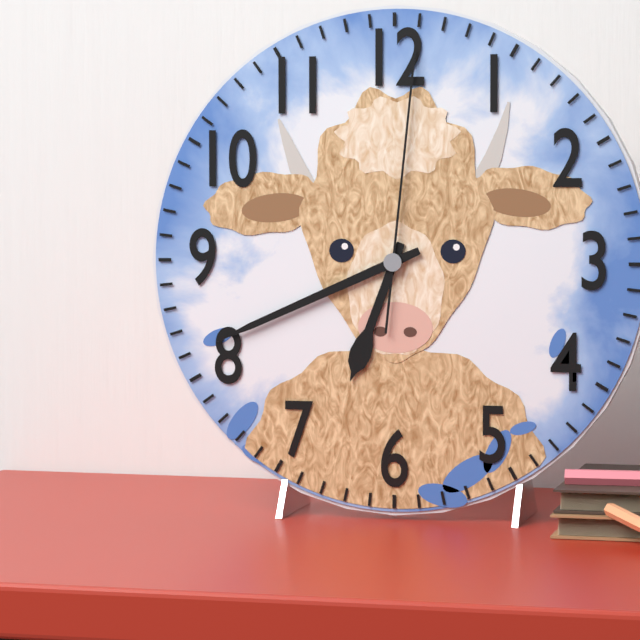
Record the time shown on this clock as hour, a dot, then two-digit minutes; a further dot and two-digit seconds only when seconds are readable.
6.41.01
